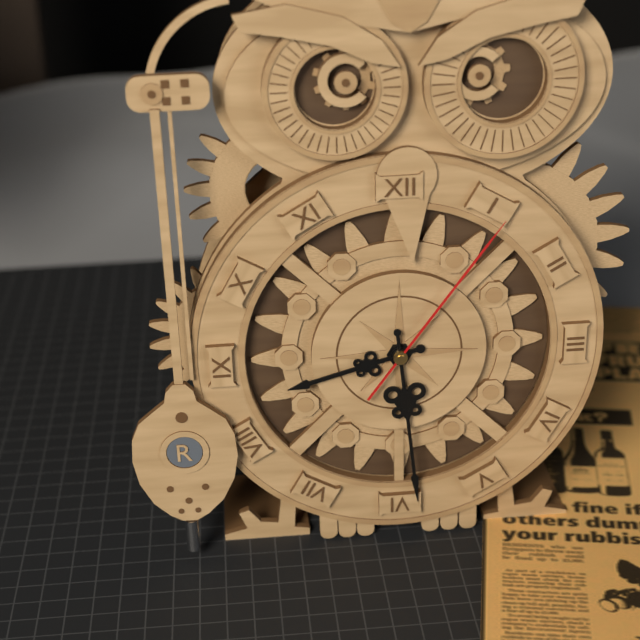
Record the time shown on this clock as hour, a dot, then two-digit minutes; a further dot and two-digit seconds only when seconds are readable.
8.29.06
